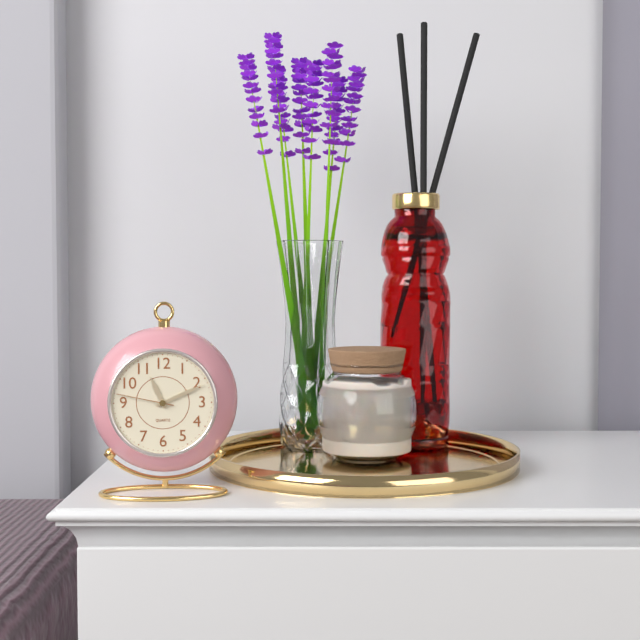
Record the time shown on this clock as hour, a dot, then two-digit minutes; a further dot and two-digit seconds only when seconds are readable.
11.11.47
